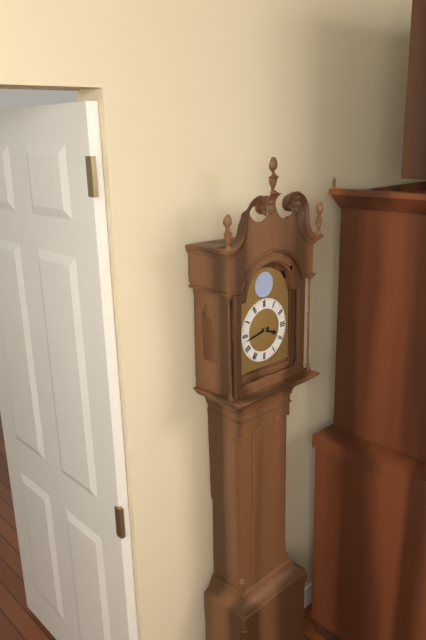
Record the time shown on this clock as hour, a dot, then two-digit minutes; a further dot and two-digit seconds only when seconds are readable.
3.43
